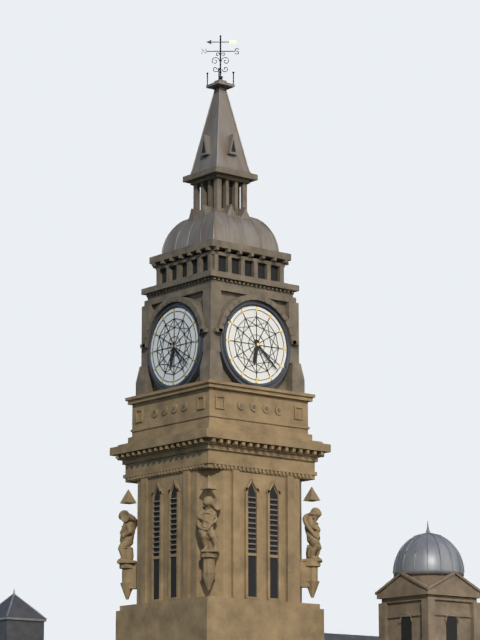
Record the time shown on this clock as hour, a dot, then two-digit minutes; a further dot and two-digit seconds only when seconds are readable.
6.22
